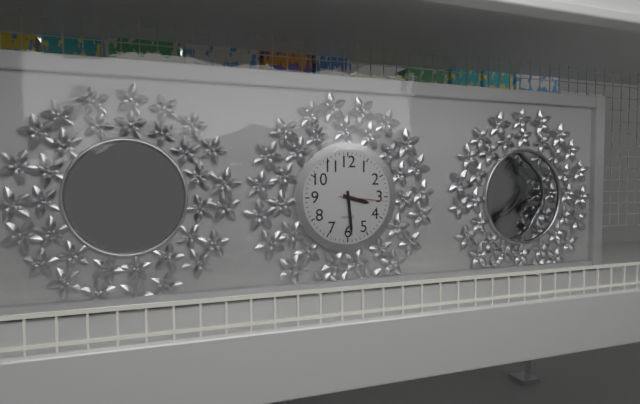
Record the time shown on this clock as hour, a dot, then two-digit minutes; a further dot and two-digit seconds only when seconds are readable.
3.29
